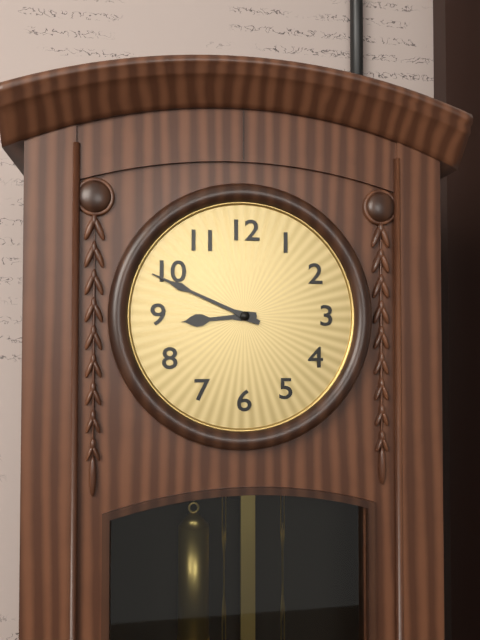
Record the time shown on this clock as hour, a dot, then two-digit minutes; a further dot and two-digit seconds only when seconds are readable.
8.49
